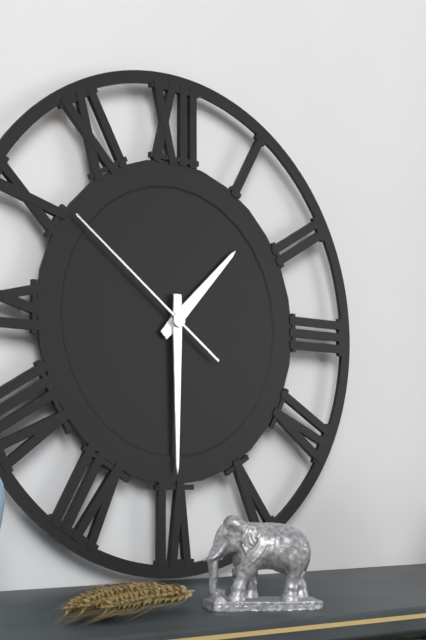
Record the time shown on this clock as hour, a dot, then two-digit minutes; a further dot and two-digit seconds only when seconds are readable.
1.30.51
